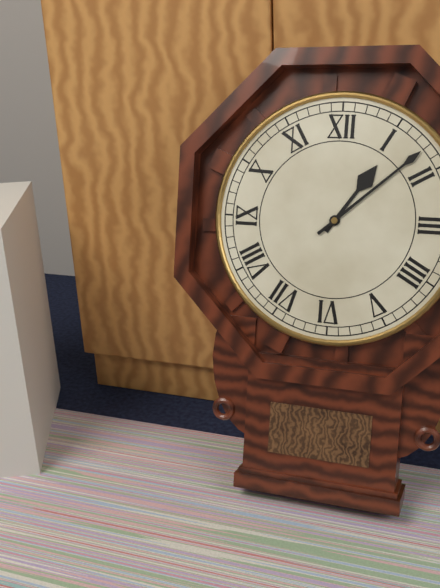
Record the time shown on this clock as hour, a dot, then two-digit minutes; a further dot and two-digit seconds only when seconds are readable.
1.08
